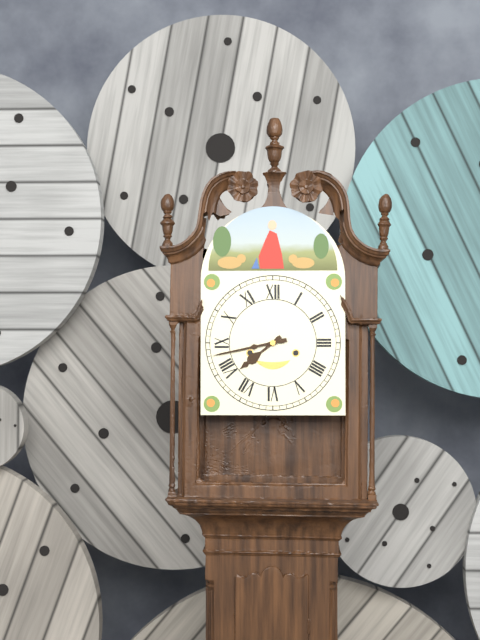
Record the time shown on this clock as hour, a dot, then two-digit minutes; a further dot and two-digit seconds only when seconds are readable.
7.43
